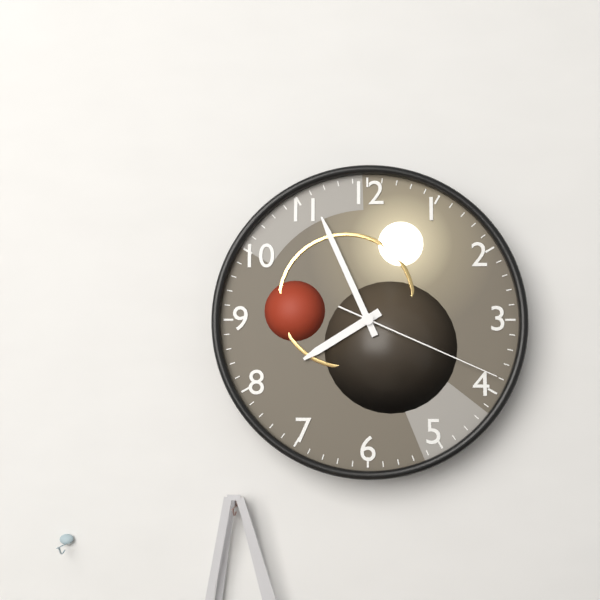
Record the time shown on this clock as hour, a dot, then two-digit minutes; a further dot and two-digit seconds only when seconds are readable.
7.56.19
